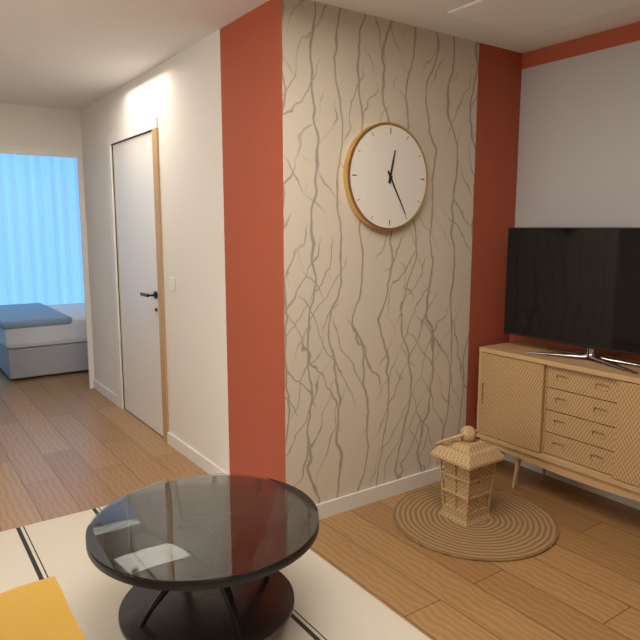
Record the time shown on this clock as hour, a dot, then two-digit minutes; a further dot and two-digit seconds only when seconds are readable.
12.25
